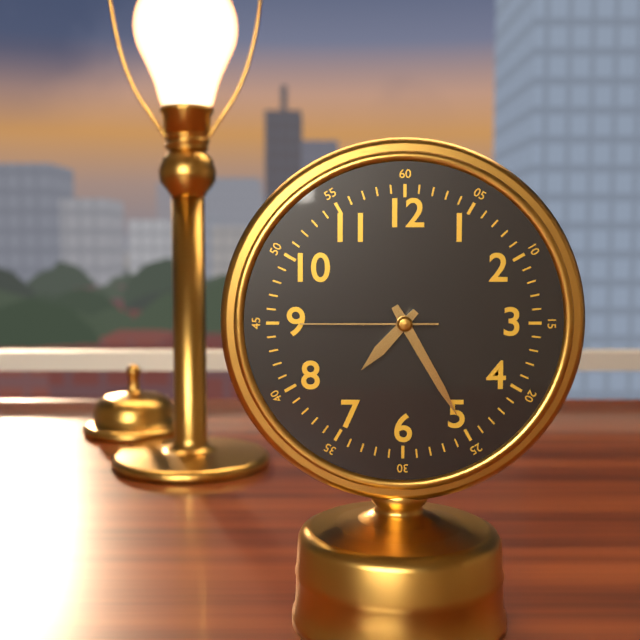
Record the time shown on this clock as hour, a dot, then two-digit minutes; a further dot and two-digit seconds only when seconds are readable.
7.25.45
